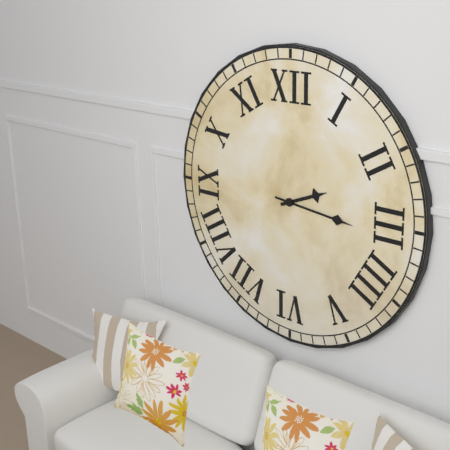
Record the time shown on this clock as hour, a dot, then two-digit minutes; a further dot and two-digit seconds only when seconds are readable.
2.16
